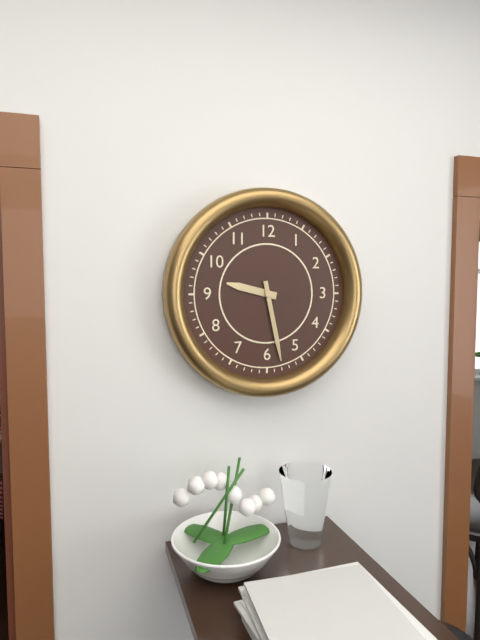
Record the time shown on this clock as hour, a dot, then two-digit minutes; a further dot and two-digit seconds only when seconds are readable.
9.28
